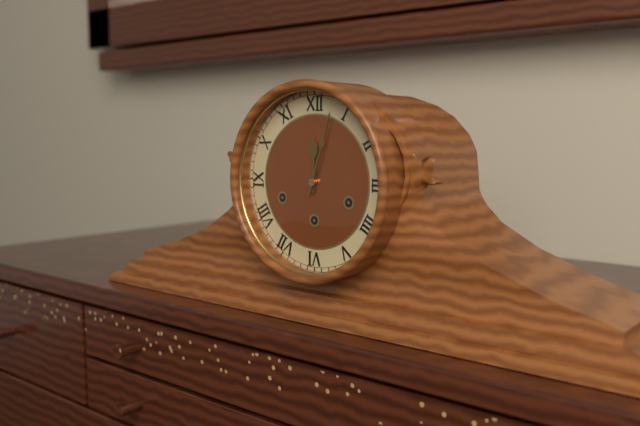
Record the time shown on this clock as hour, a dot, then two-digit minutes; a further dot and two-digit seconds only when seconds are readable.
12.03
